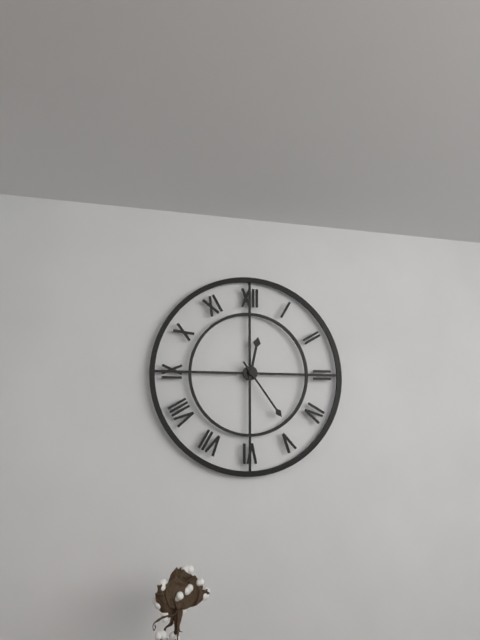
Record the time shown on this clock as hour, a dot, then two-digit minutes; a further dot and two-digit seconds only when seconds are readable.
12.24
